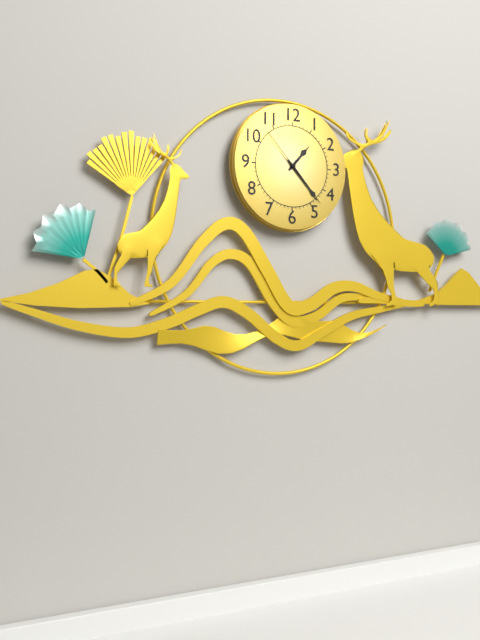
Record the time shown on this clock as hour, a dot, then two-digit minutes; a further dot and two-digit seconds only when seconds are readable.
1.23
